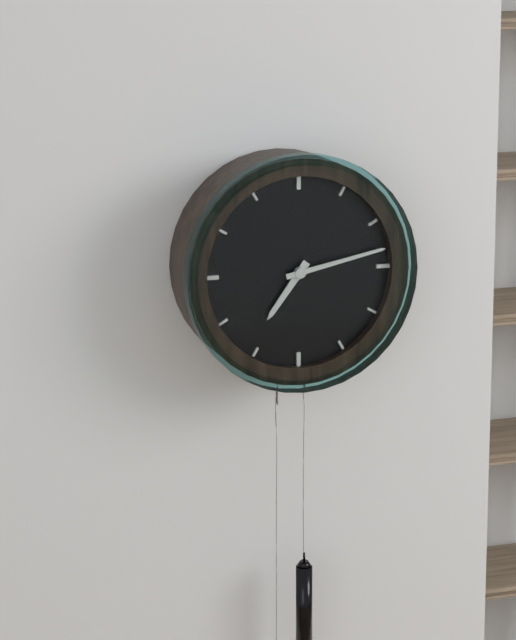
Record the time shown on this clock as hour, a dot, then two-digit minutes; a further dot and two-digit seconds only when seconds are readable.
7.13
